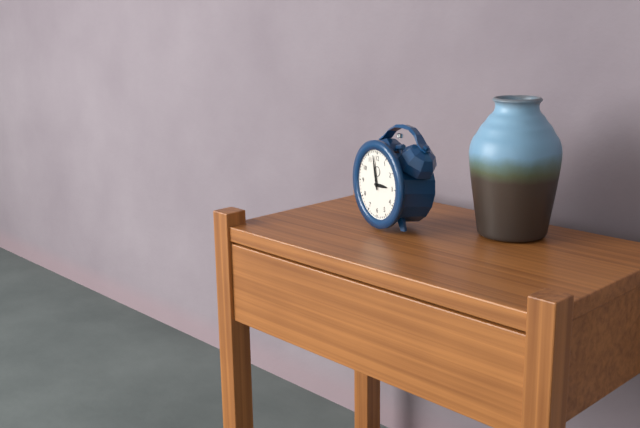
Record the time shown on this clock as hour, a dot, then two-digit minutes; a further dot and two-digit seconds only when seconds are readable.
2.58
